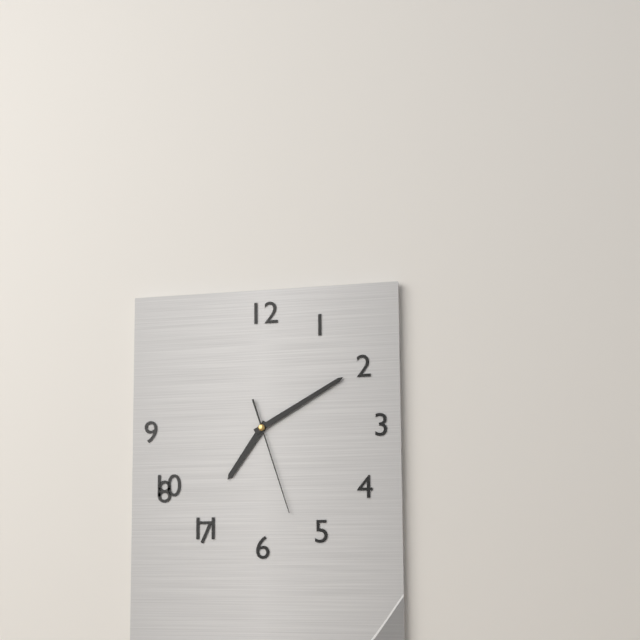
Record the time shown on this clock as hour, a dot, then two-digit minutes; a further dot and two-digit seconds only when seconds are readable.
7.10.27
